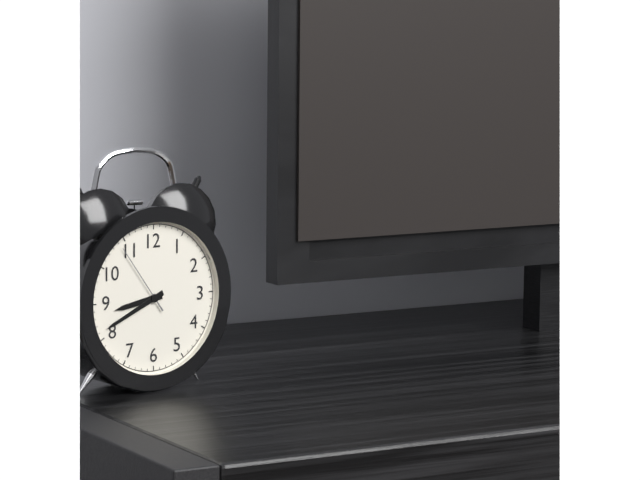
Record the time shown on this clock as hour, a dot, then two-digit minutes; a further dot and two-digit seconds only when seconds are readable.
8.41.54
